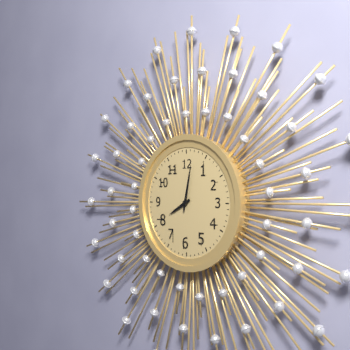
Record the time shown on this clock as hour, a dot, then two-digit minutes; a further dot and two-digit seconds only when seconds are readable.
8.02
